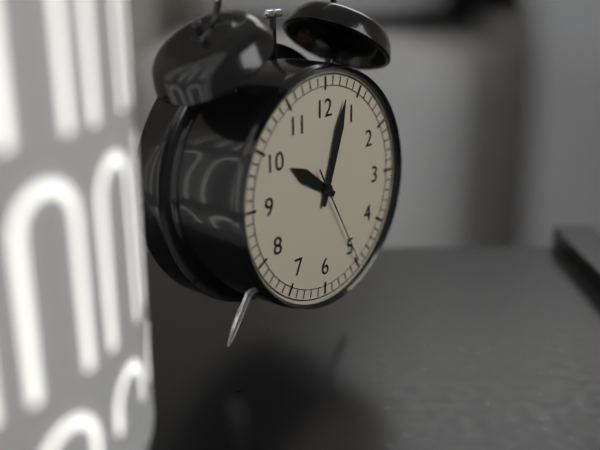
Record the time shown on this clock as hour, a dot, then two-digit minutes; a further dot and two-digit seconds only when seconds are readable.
10.03.25
